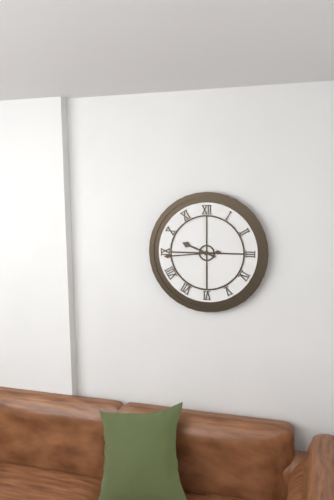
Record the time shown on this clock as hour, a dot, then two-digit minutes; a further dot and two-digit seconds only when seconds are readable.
9.44
